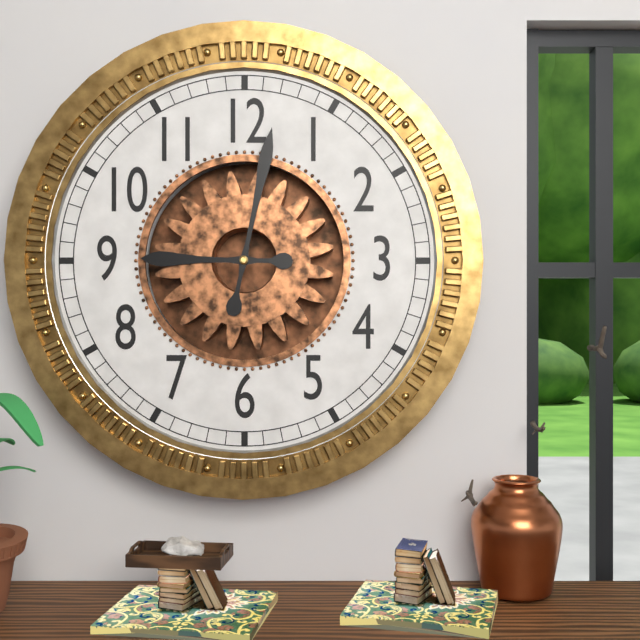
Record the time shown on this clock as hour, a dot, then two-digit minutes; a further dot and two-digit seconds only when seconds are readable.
9.02
